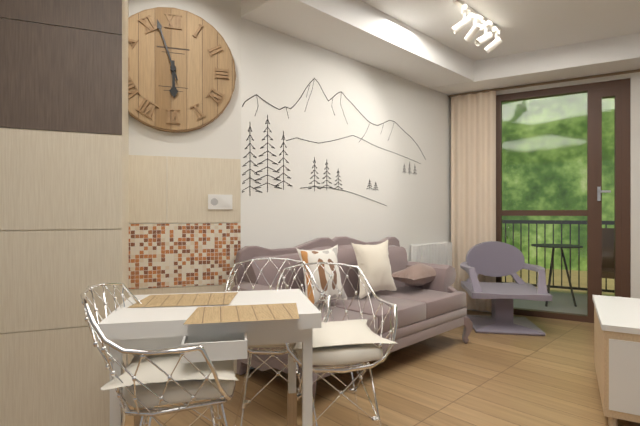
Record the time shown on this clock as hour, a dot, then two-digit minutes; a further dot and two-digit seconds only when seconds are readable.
5.57
